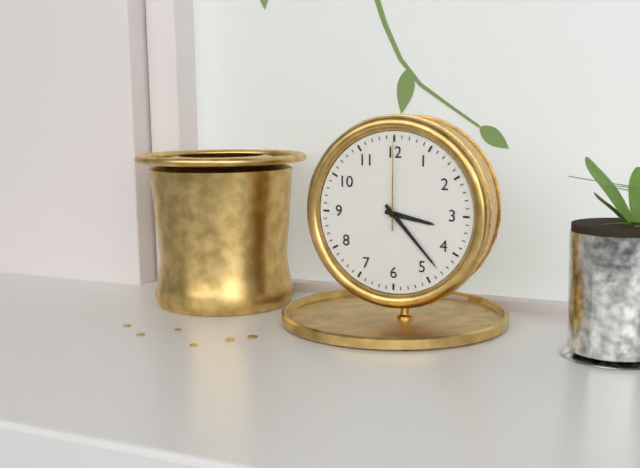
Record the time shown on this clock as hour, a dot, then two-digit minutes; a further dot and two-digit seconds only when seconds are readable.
3.23.00
